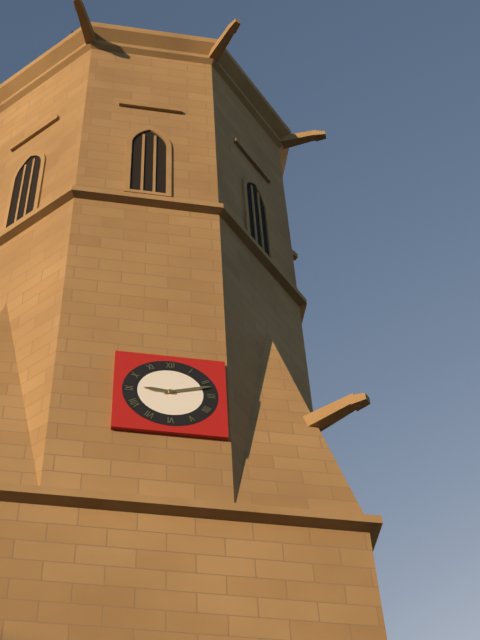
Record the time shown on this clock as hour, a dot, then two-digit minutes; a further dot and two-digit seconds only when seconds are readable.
9.12
